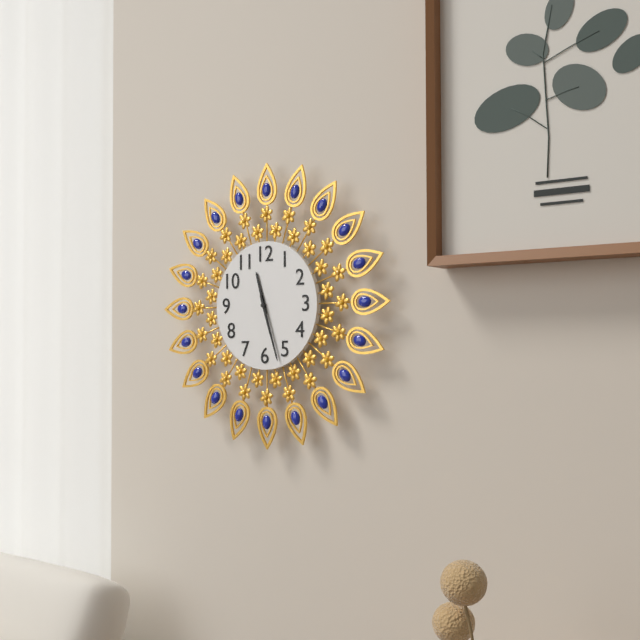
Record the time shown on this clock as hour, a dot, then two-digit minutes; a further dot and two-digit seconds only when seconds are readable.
11.27
